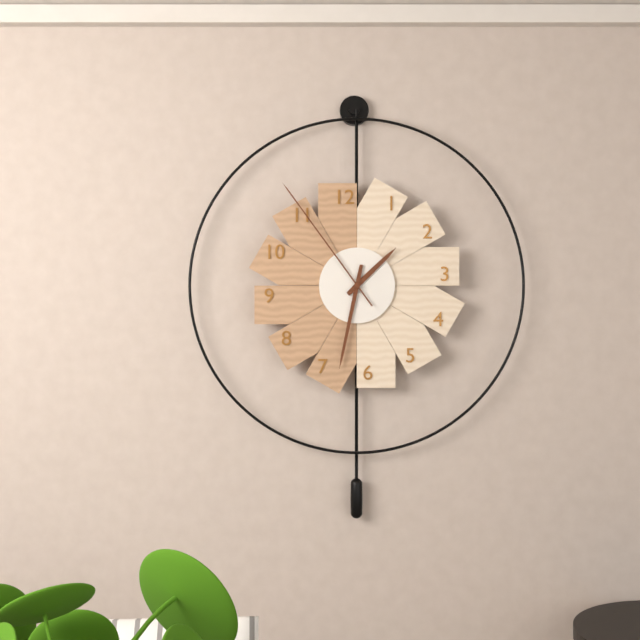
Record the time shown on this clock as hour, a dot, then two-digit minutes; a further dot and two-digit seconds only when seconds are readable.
1.32.54
